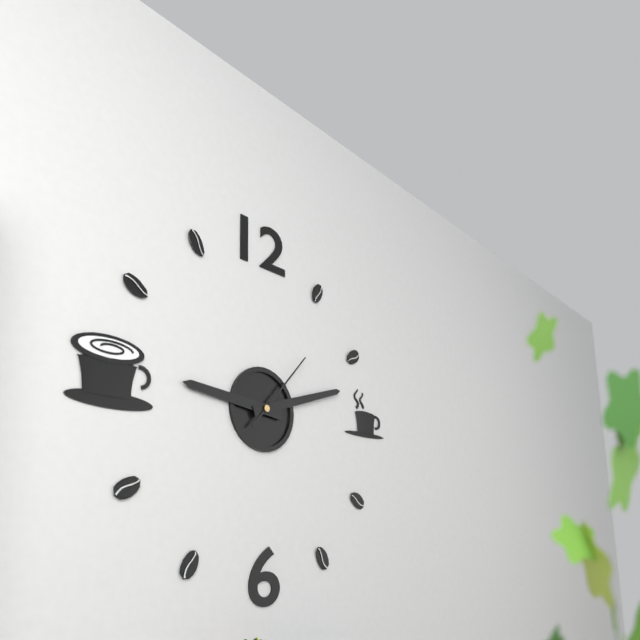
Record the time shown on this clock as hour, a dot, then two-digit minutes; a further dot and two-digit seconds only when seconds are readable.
9.12.07
